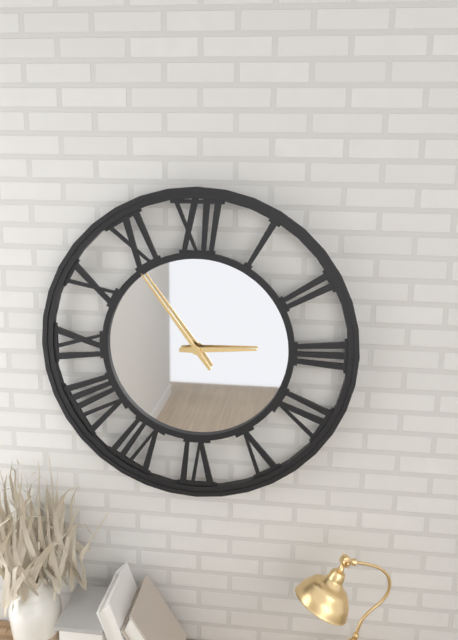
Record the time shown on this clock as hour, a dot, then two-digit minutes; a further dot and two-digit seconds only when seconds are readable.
2.54
